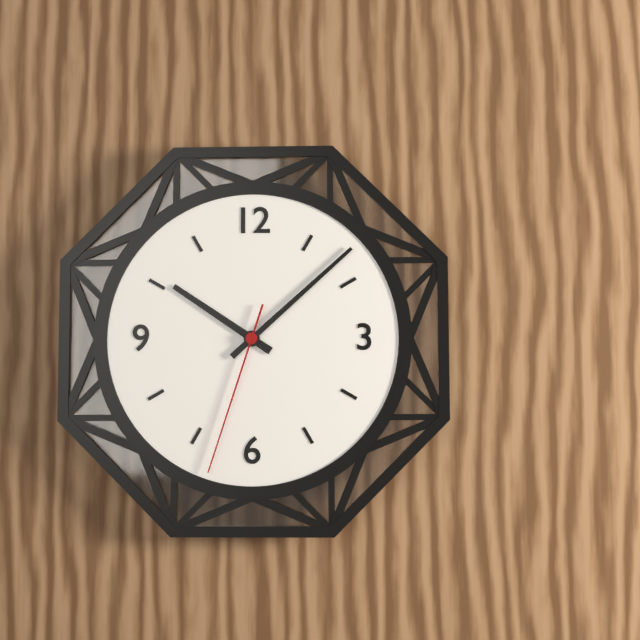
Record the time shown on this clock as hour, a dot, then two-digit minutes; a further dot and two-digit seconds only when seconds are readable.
10.08.33
